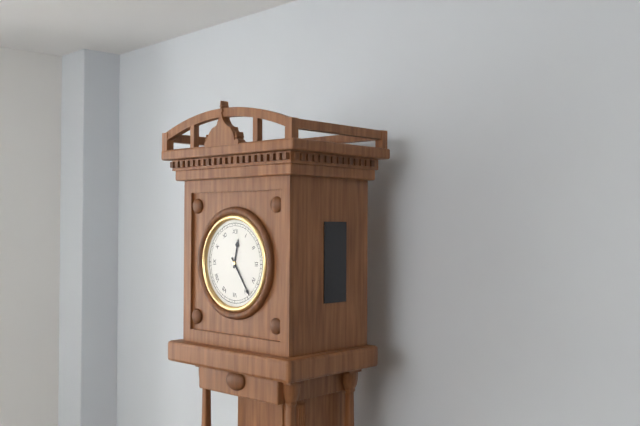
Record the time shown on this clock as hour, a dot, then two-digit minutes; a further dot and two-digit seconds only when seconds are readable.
12.24
